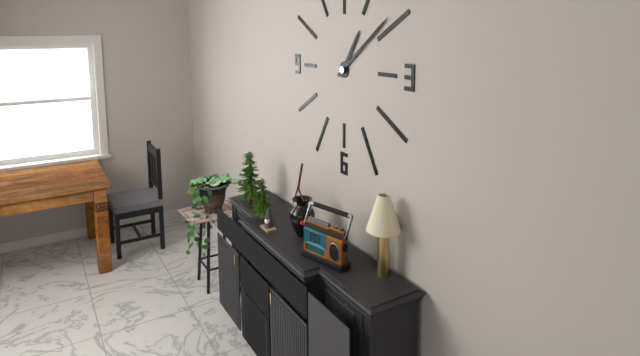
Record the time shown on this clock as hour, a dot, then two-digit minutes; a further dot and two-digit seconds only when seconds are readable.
1.09
